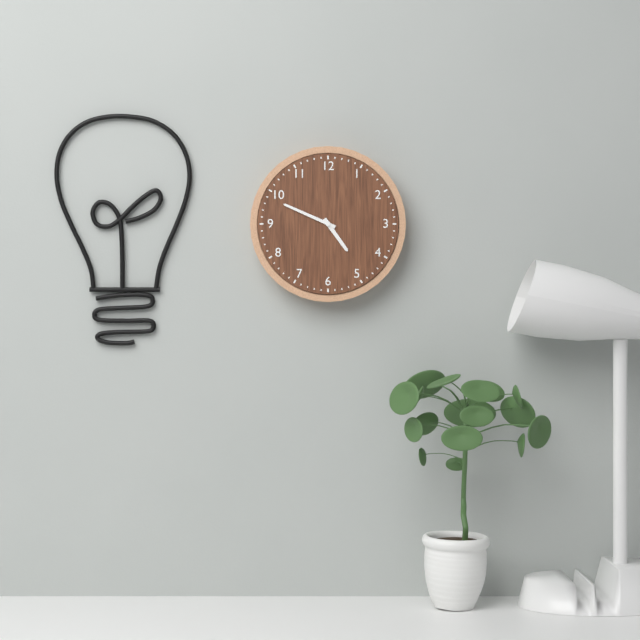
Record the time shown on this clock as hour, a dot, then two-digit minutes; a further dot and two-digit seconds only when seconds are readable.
4.49
